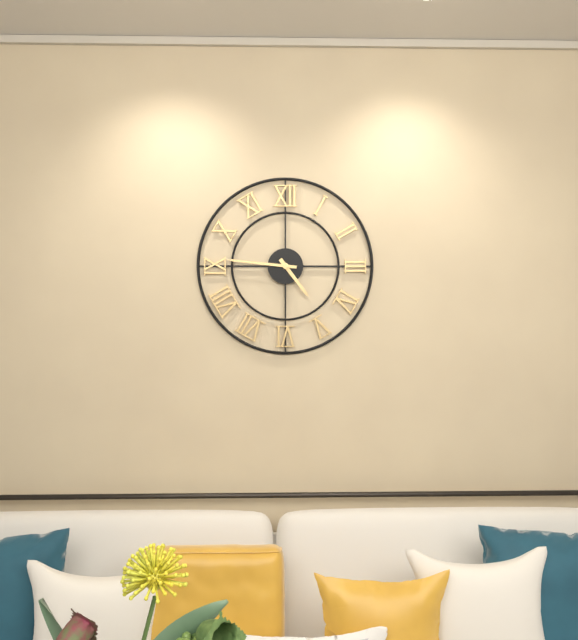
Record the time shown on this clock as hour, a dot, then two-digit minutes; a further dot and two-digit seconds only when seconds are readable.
4.46
